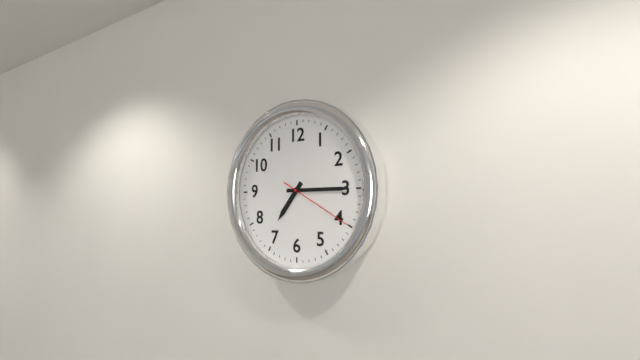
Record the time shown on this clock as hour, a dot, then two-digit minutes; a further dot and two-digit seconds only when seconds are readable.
7.15.20
